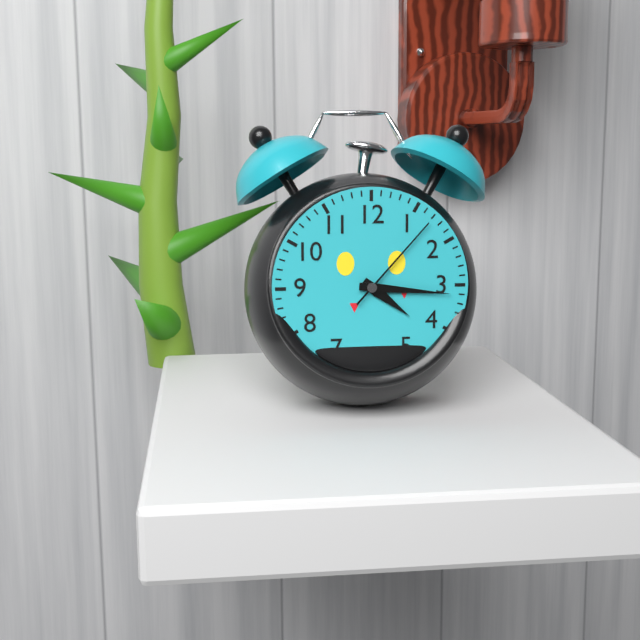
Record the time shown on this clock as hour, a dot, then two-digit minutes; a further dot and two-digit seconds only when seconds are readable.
4.16.07
